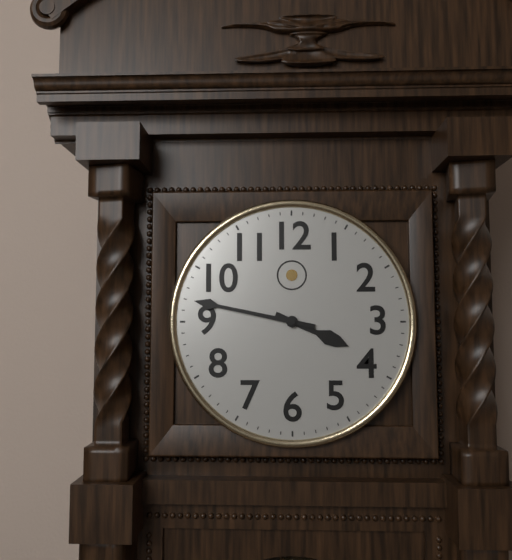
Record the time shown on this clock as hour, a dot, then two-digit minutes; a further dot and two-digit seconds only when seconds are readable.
3.47
